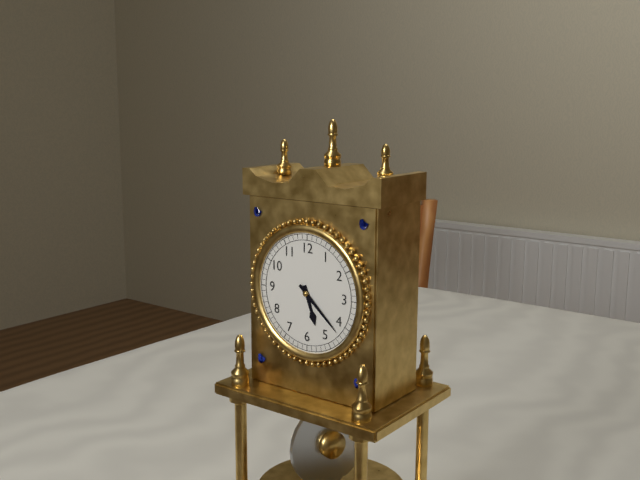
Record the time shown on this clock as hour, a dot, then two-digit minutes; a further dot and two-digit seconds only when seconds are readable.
5.22
